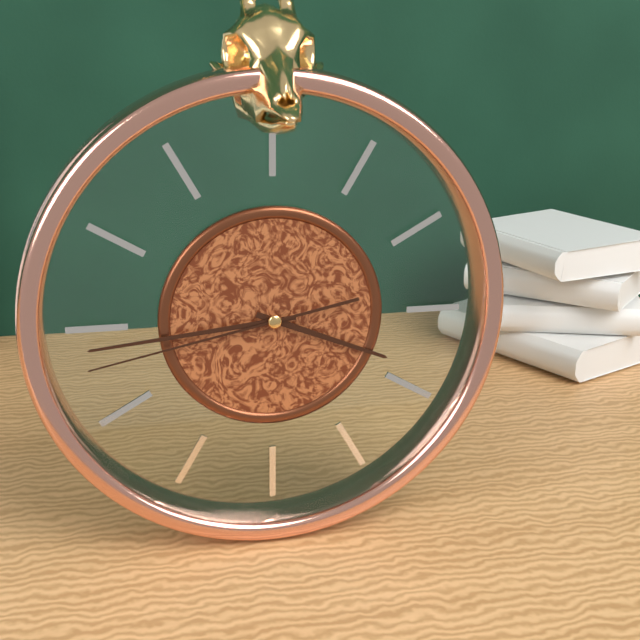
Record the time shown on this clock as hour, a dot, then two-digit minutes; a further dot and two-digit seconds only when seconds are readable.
3.44.43
